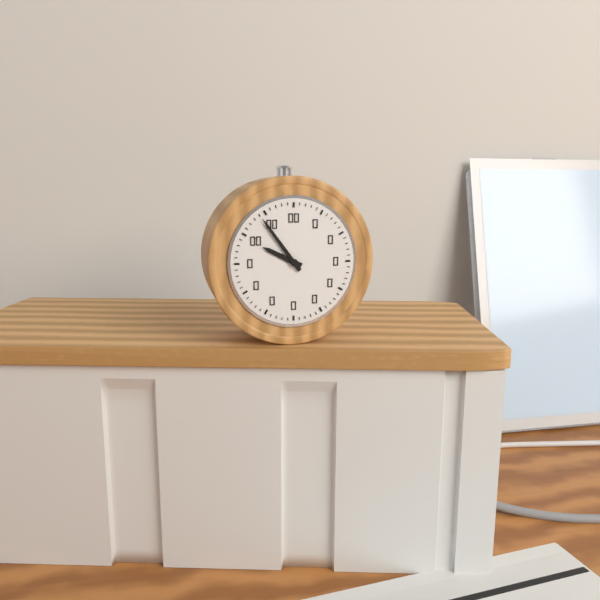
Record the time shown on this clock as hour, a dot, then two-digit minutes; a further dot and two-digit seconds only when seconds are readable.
9.54
